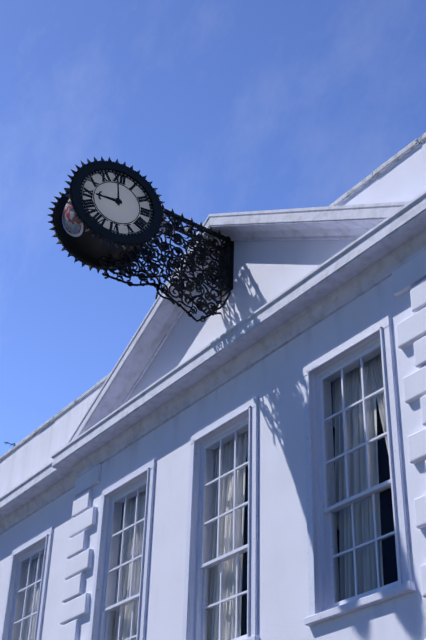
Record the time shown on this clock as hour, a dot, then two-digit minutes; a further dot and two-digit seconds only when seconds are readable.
8.59
